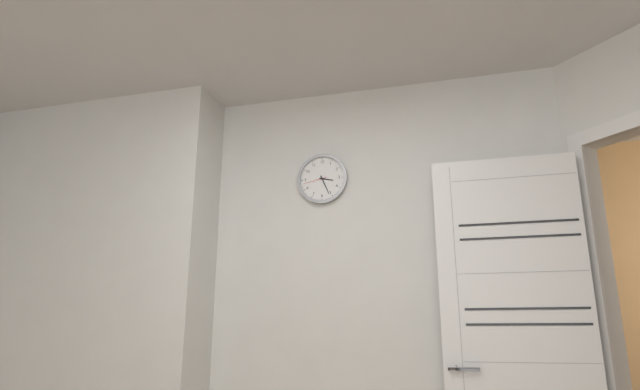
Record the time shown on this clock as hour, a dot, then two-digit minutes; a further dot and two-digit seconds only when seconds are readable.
3.26
